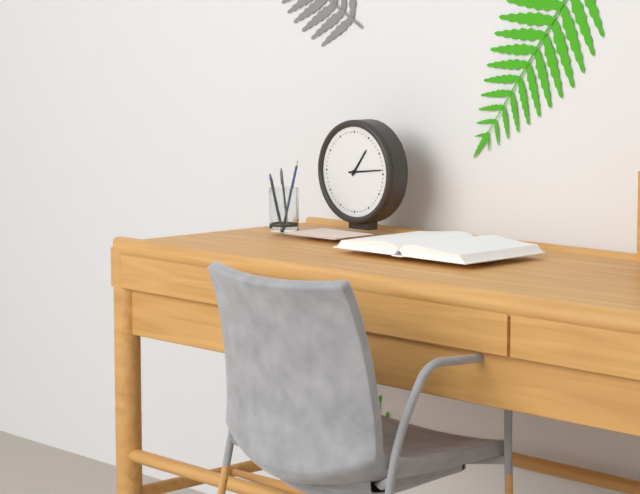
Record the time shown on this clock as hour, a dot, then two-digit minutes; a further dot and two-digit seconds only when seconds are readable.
1.14
